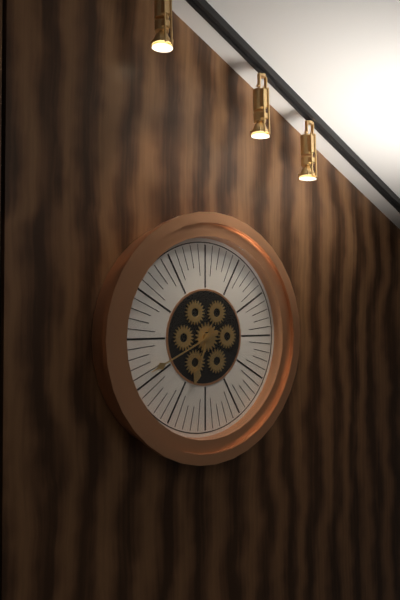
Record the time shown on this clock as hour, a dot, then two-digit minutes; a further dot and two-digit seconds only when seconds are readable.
6.41
